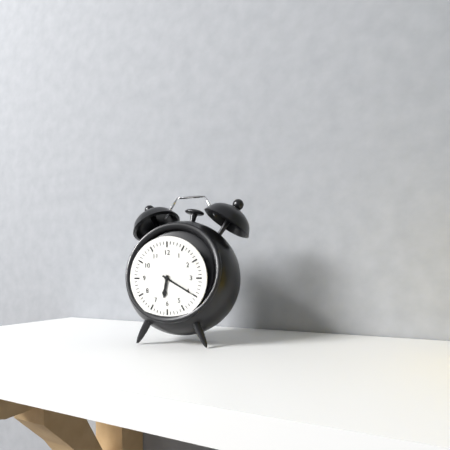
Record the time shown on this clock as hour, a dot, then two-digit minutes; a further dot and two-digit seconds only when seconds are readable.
6.20
